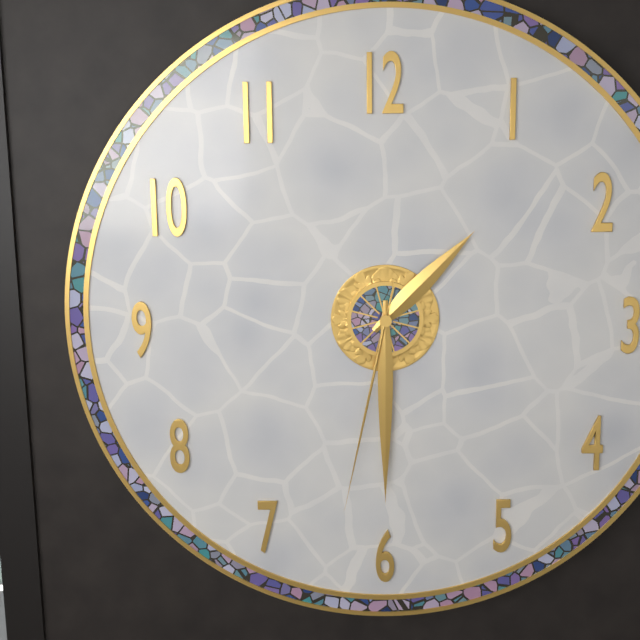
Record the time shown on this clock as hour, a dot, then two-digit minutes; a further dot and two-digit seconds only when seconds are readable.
1.30.32
